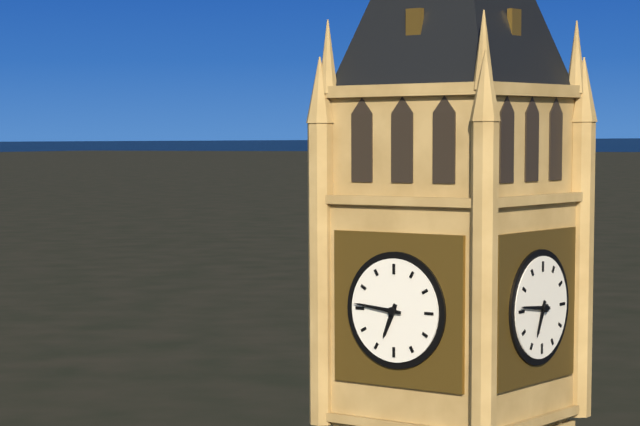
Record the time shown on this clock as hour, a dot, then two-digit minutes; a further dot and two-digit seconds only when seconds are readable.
6.46
